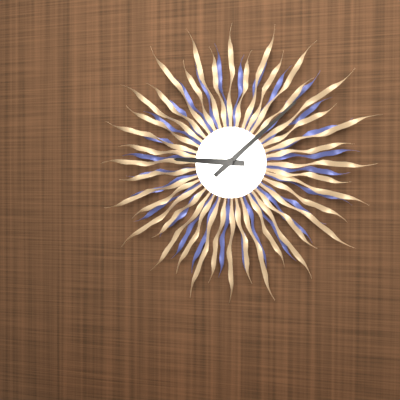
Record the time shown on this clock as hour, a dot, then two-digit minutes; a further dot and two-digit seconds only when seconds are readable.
9.08
